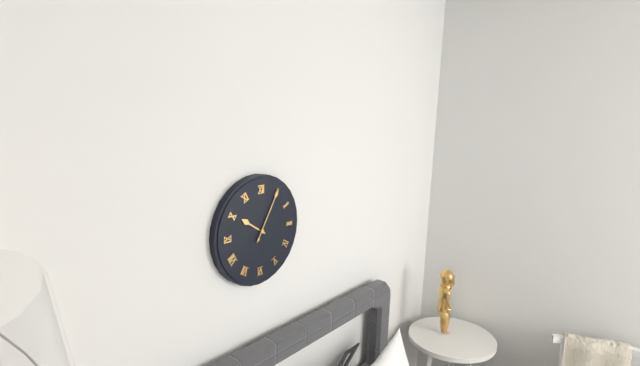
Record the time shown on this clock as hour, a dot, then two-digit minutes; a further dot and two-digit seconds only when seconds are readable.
10.05
